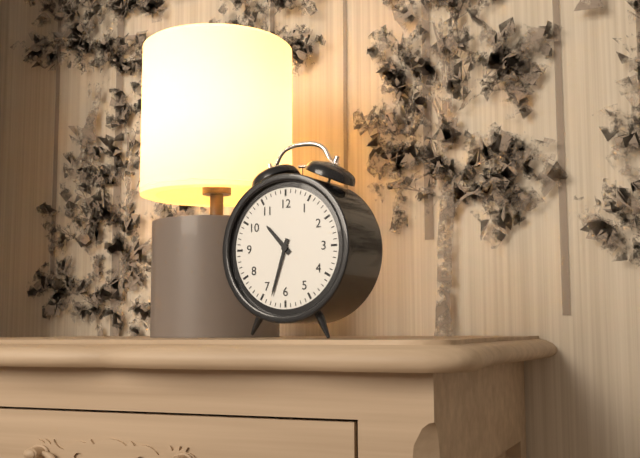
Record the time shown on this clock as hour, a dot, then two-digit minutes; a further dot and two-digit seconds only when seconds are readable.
10.33
